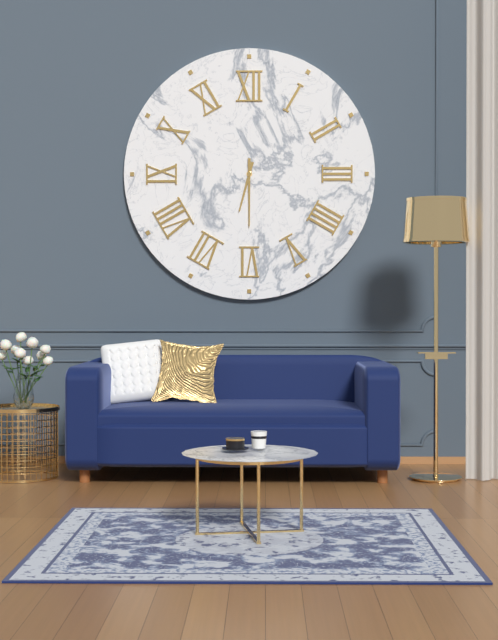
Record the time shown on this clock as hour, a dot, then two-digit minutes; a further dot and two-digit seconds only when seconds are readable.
6.30
